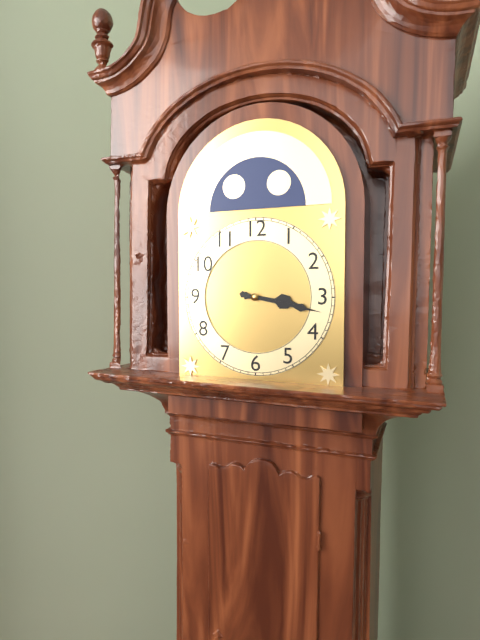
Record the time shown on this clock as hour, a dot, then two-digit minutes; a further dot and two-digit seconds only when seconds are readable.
3.17
